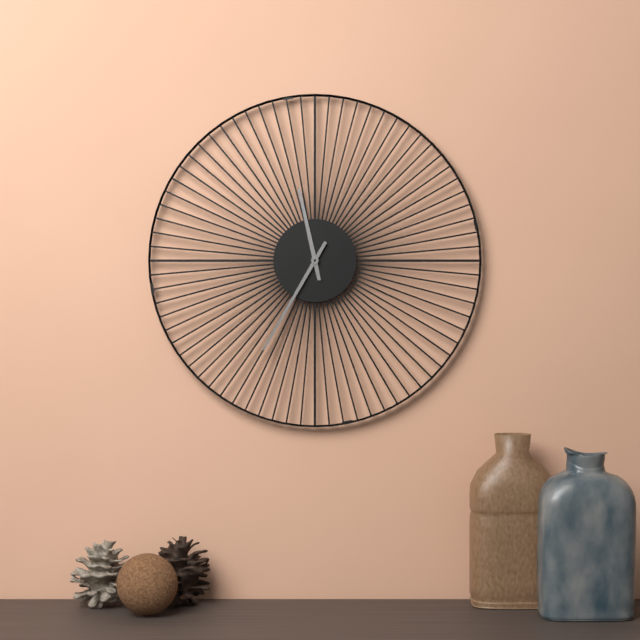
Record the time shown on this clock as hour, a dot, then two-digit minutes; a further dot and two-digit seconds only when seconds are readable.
11.35
